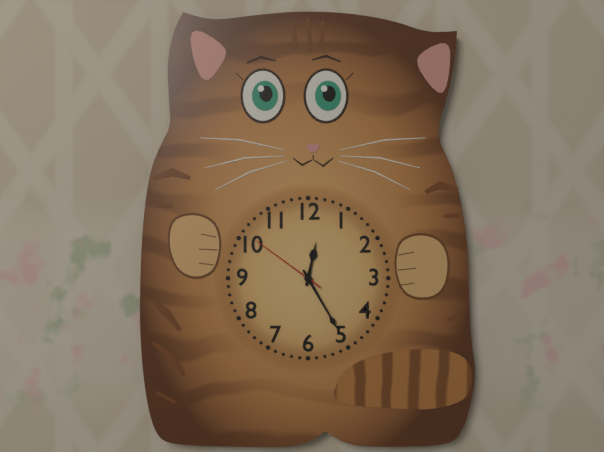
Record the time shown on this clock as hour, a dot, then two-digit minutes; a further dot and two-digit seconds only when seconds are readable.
12.25.51
